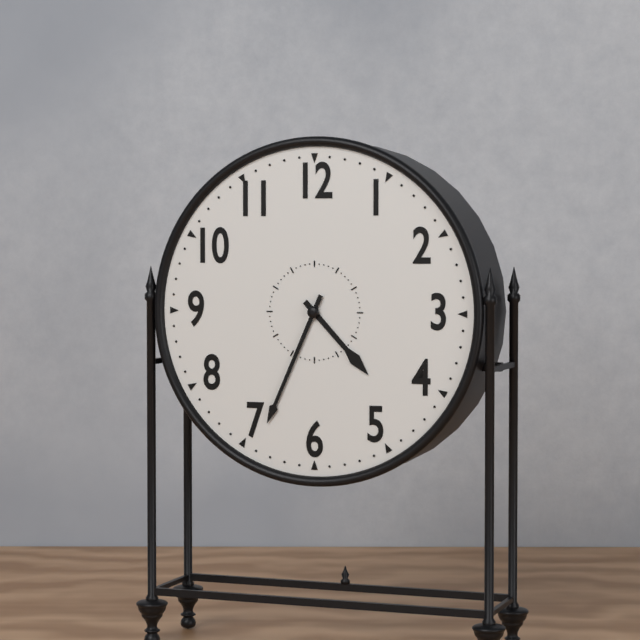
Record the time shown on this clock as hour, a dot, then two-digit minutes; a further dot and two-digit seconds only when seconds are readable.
4.34
